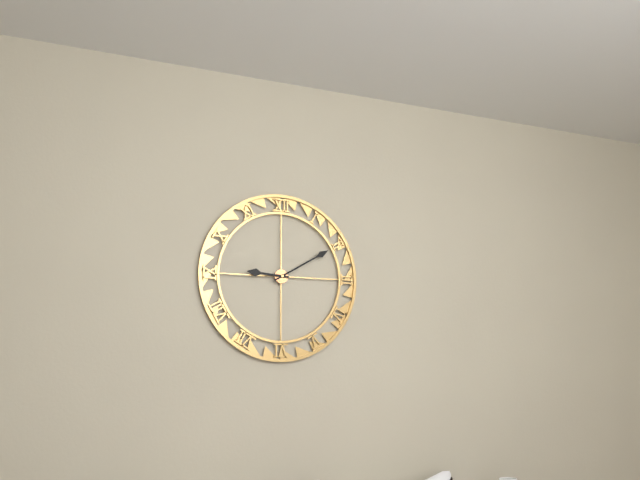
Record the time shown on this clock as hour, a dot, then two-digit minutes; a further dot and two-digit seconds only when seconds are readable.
9.10
